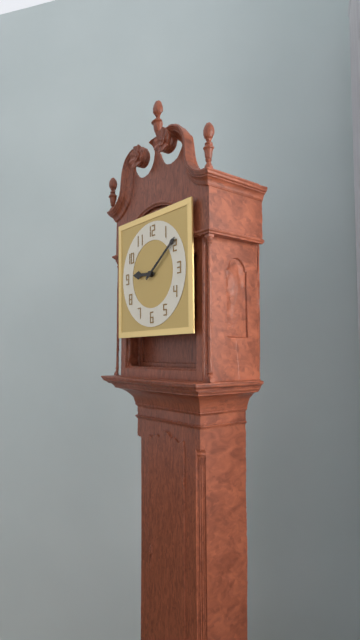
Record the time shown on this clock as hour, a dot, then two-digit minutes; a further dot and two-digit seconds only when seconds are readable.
9.09
